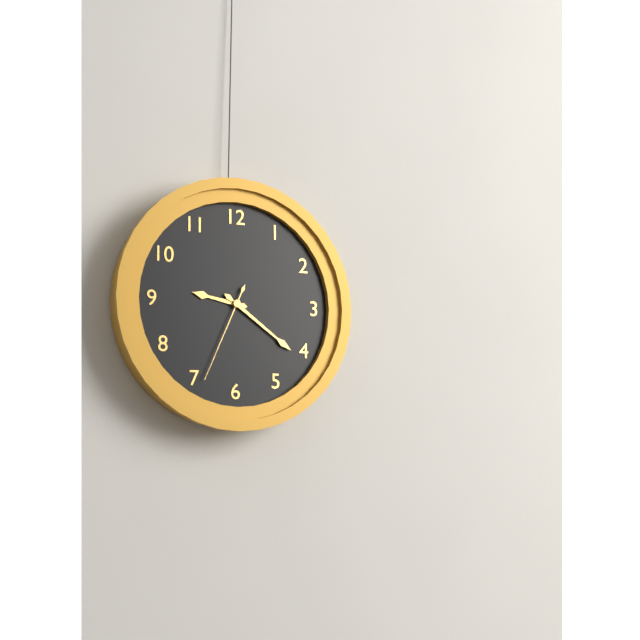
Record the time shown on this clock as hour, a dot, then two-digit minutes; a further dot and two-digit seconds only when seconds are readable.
9.21.34
